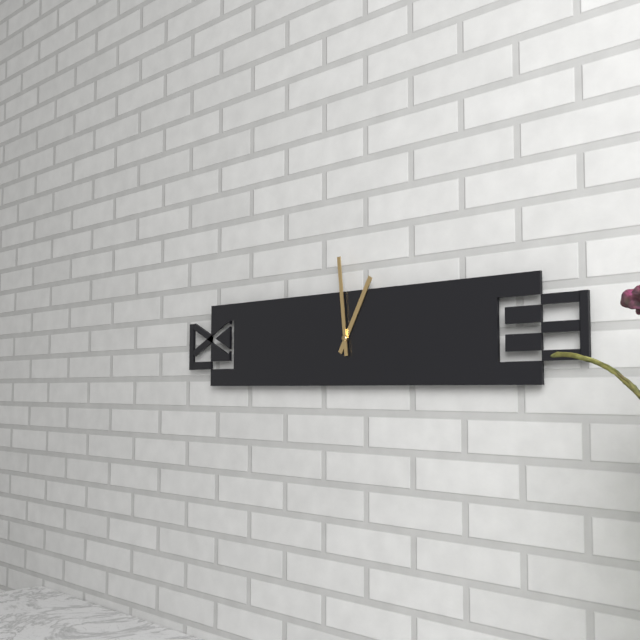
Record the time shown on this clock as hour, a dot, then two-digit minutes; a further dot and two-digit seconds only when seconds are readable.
12.59
